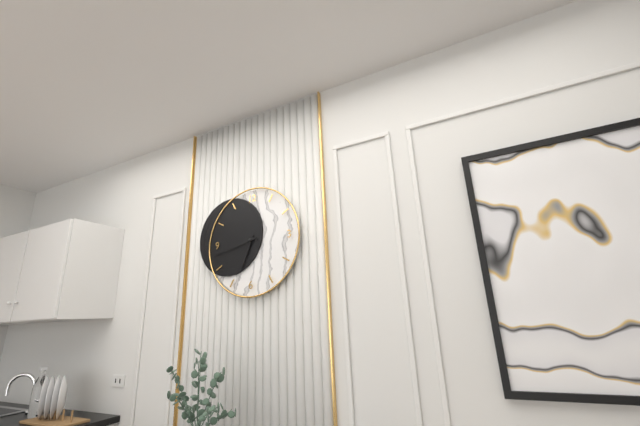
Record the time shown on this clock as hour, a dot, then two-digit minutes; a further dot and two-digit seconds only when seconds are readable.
6.43
